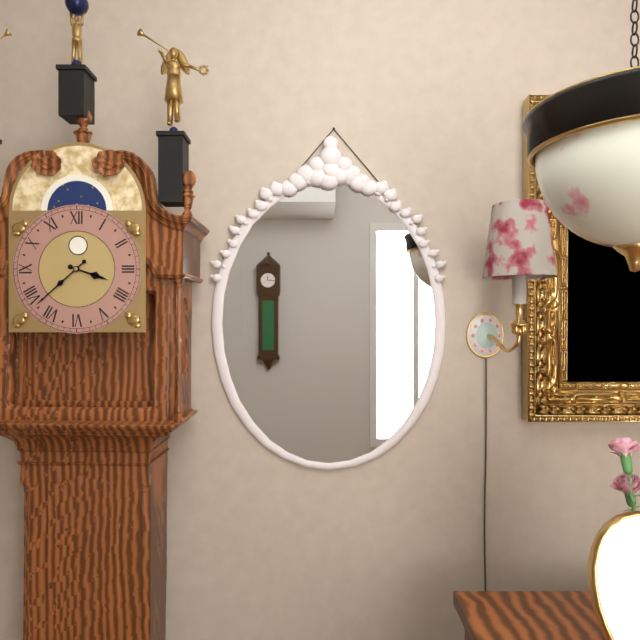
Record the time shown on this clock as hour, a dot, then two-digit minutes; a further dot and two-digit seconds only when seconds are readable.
3.38
